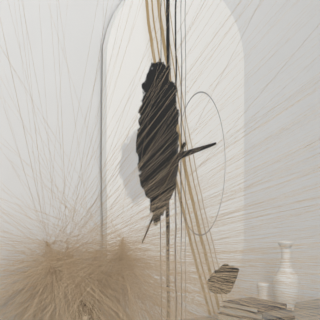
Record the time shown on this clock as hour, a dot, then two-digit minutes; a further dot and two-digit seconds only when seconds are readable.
2.35
